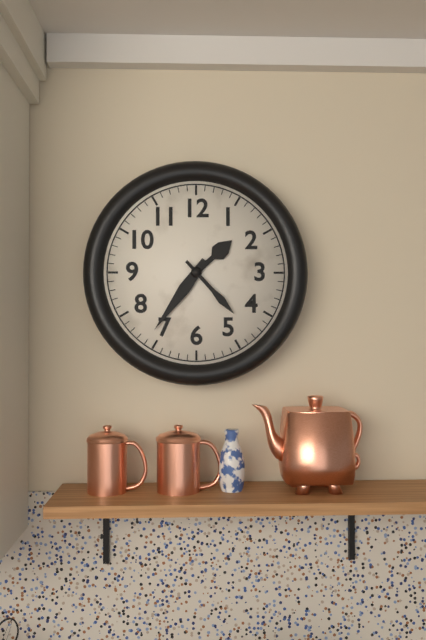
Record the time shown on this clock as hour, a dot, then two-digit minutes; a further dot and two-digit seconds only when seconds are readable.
1.36.23
